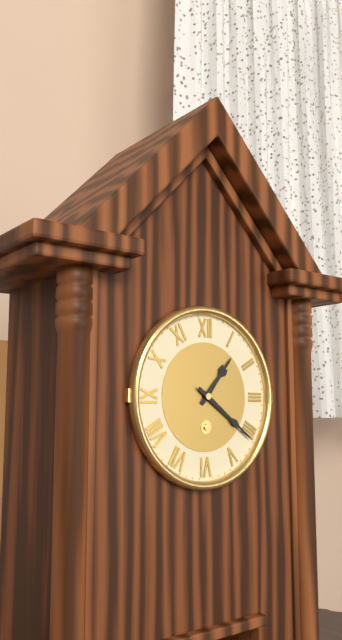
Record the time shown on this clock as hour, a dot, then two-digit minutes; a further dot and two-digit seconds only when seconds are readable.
1.21
